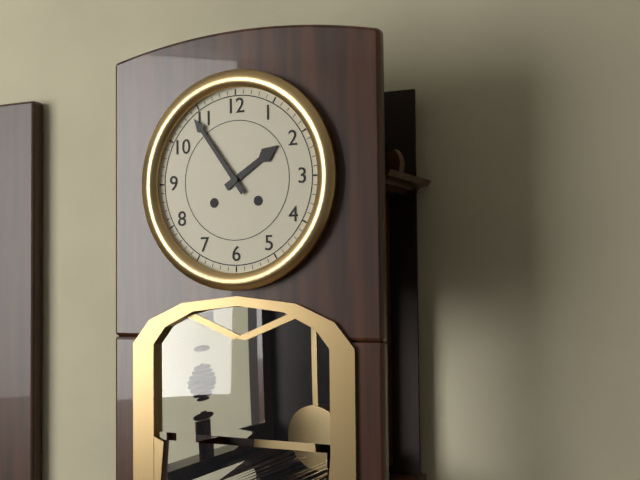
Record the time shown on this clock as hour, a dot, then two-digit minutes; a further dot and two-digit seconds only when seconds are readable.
1.54
